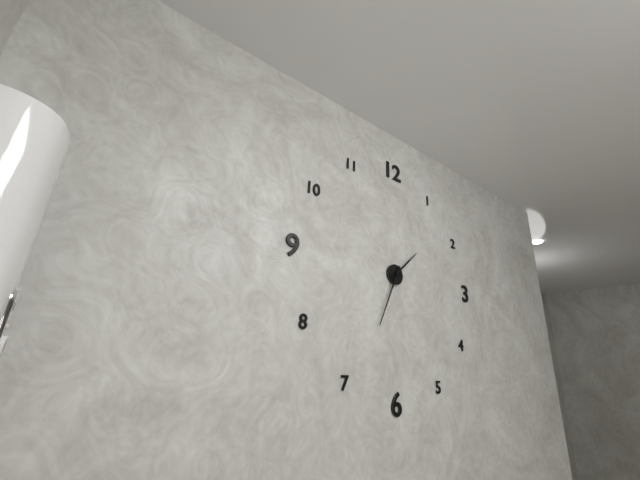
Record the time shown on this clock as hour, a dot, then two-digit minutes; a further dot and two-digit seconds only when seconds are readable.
1.34
